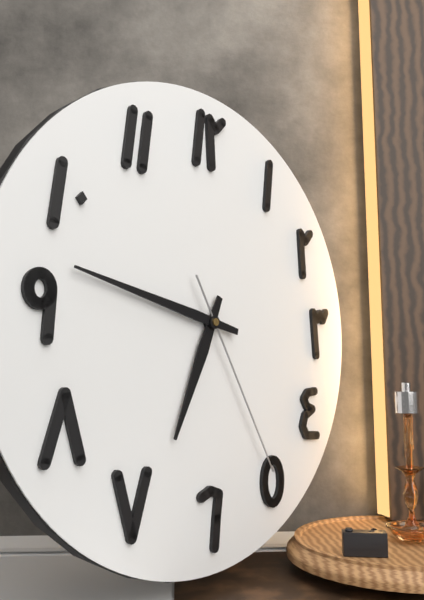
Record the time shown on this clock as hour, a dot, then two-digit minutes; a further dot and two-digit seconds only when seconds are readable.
6.47.25
